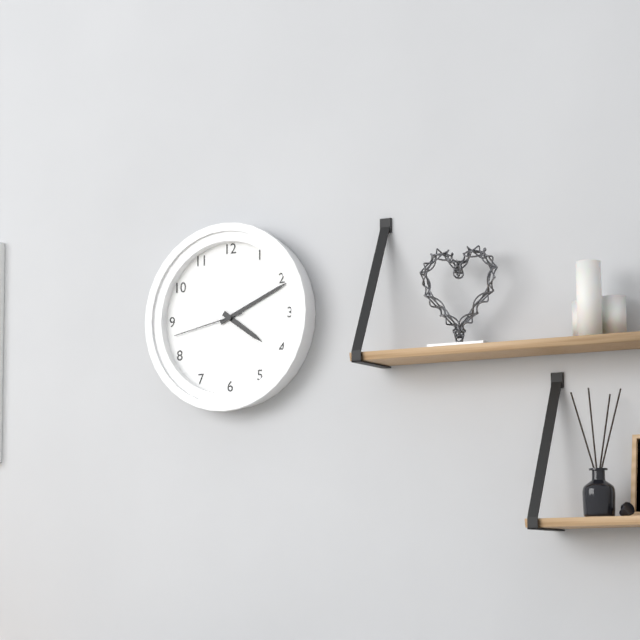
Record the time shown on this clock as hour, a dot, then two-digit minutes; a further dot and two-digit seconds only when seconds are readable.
4.11.43
